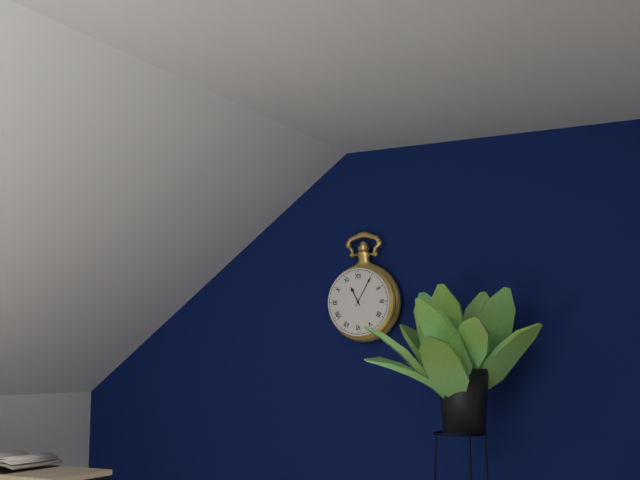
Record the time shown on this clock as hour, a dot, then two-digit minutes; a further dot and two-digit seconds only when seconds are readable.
11.05
